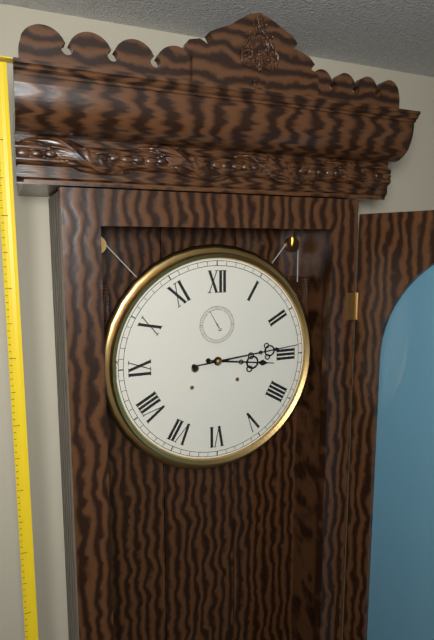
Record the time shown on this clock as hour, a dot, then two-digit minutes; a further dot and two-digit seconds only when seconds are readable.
3.14
